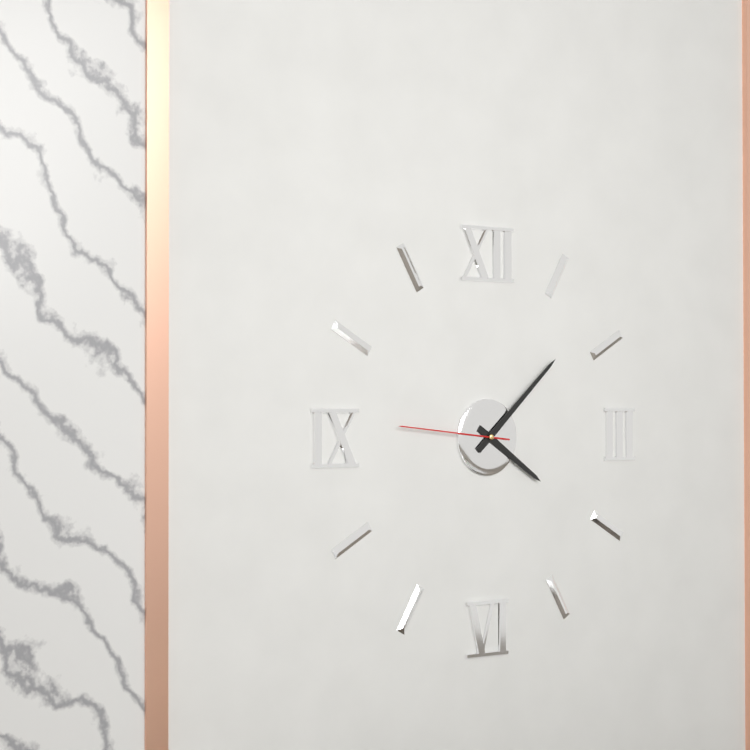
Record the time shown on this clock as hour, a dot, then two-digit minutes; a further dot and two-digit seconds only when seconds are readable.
4.08.46
